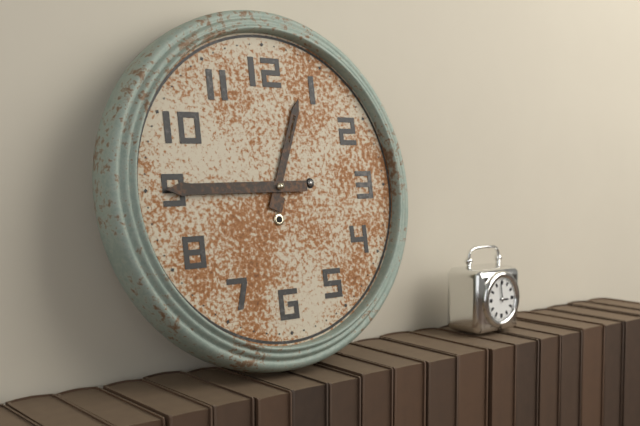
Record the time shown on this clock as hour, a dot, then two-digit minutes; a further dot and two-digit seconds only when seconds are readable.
12.45
